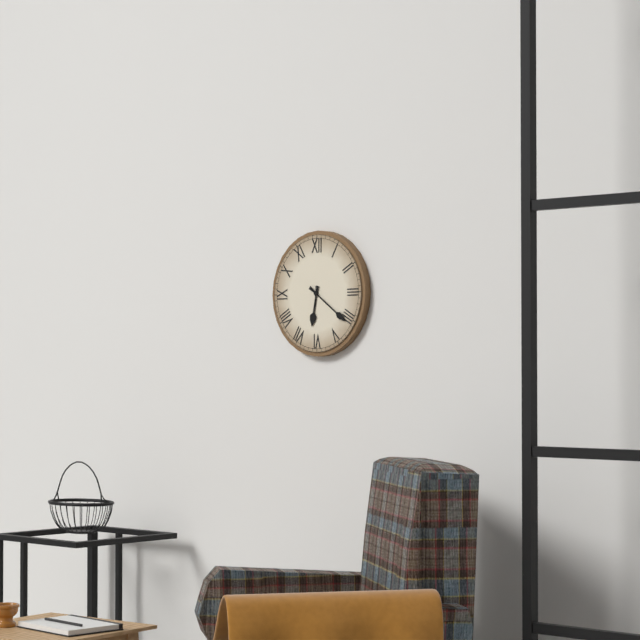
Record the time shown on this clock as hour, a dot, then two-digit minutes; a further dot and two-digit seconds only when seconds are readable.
6.21
